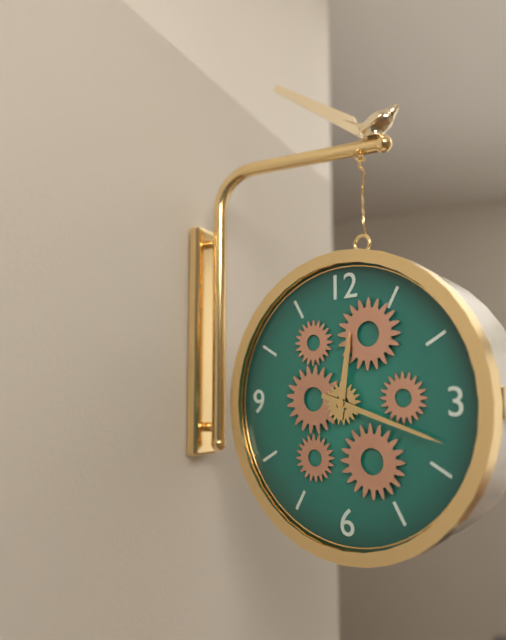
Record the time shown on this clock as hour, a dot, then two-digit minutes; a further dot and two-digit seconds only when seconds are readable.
12.18
